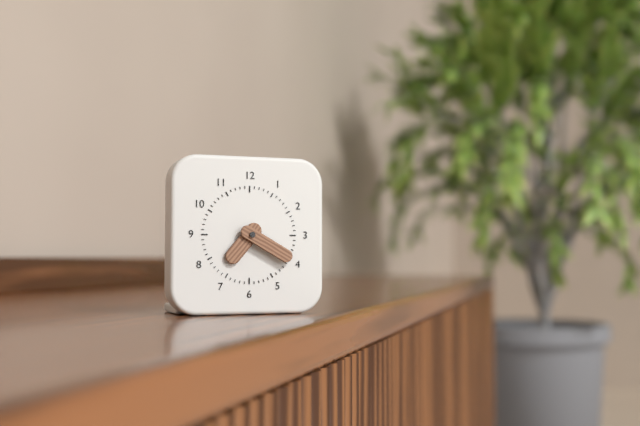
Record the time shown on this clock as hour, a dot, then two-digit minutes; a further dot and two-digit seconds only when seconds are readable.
7.20
